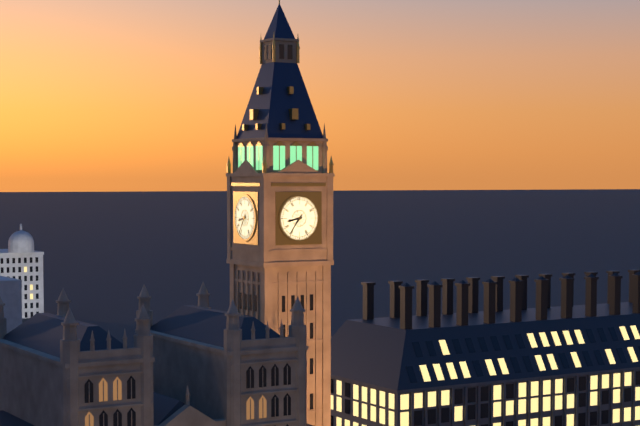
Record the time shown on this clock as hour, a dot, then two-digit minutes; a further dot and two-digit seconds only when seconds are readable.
8.36
